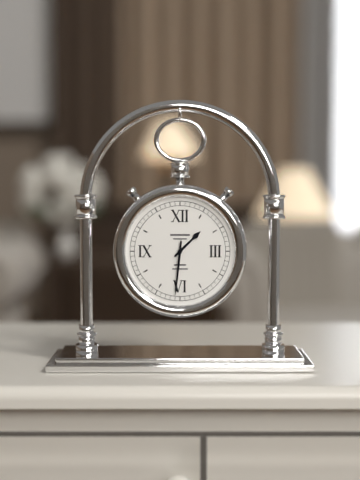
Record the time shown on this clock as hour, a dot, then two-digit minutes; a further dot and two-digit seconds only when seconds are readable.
1.31
